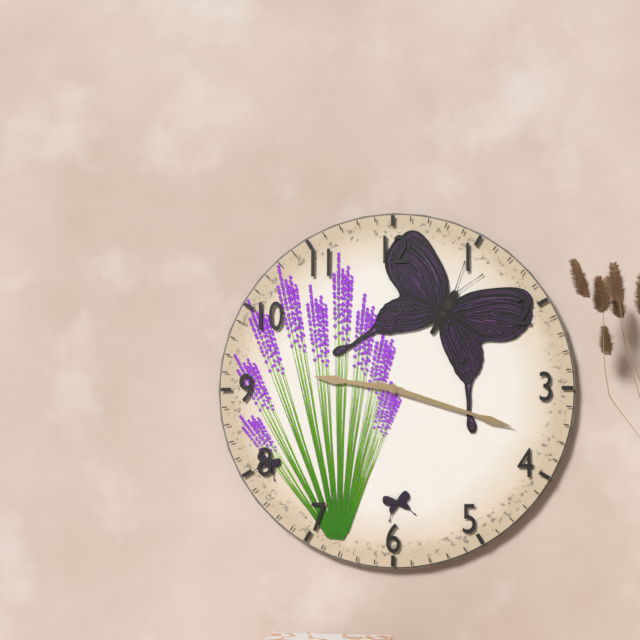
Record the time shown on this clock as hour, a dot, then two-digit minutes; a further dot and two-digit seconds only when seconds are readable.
9.18
